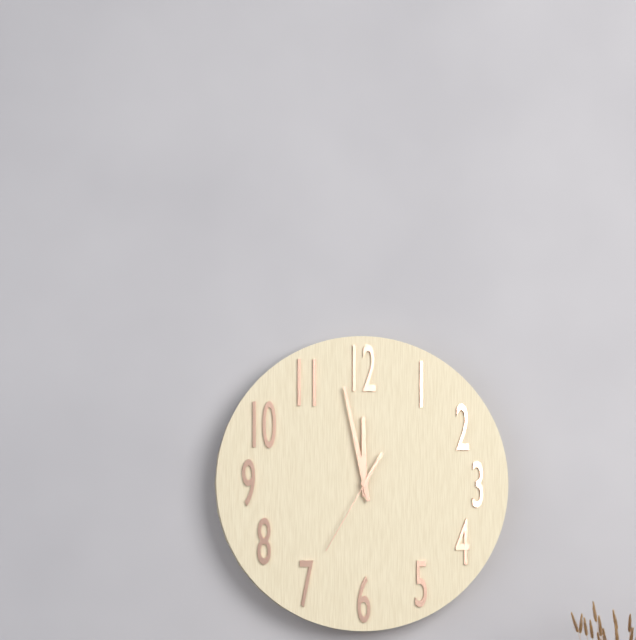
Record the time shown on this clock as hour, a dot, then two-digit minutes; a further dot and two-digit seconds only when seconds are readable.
11.58.35
